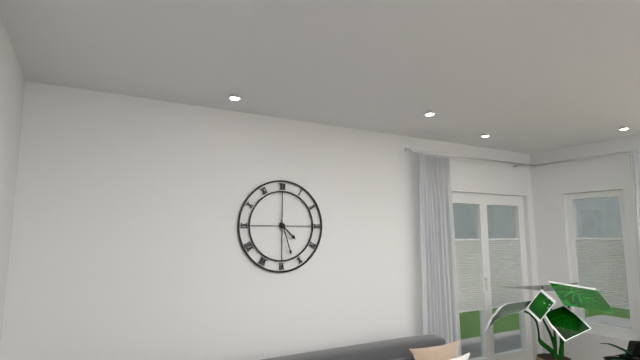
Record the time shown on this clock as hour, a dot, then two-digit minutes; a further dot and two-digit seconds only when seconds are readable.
4.27
